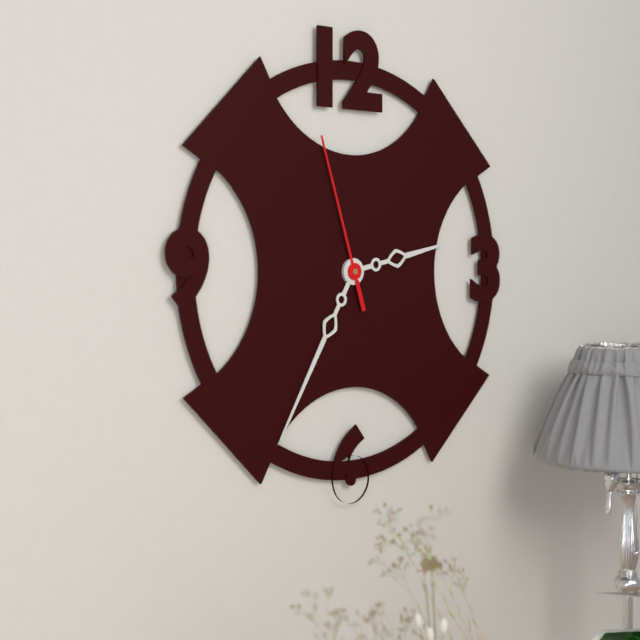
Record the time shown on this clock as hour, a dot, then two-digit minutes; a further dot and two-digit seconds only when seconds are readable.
2.35.57
